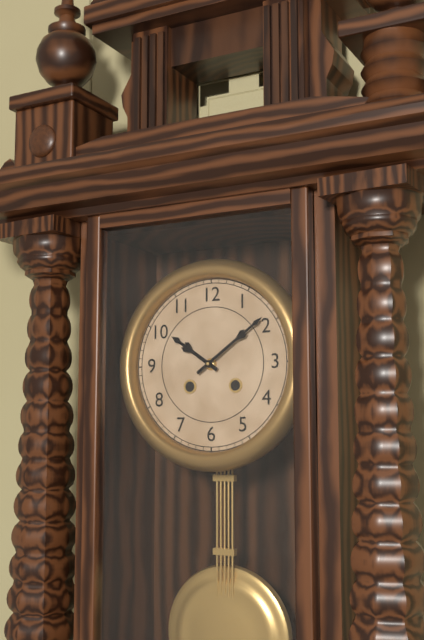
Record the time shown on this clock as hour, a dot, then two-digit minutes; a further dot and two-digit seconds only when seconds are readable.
10.09
